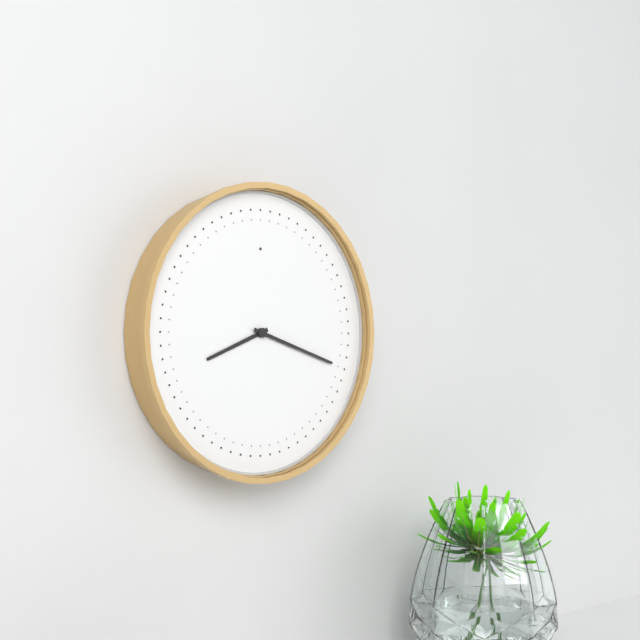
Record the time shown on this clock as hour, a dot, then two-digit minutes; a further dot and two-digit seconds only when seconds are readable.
8.18
